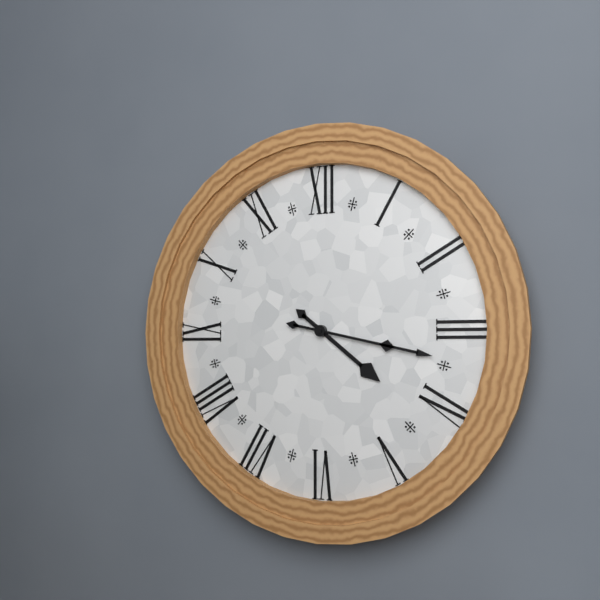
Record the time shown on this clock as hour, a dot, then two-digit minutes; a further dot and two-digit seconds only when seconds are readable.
4.17
